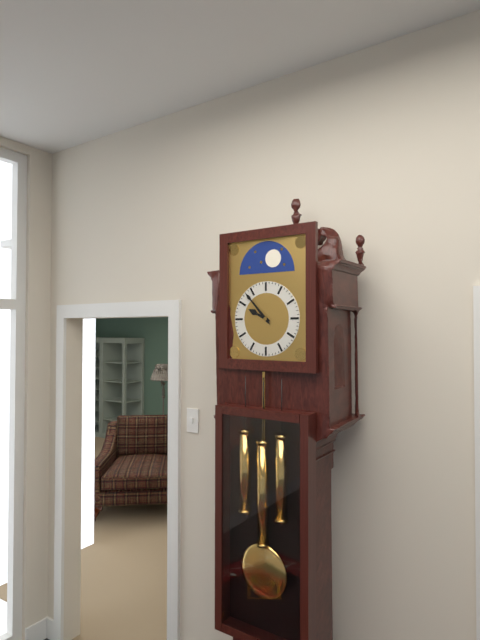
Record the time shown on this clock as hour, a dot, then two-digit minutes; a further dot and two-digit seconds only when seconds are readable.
9.53
